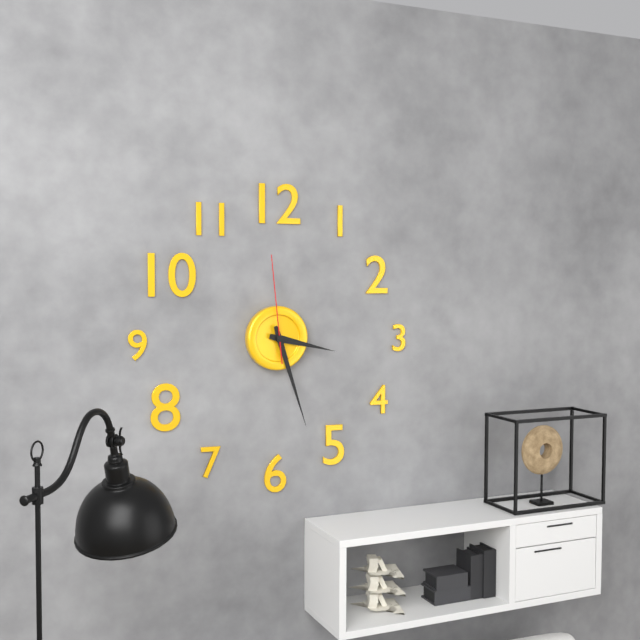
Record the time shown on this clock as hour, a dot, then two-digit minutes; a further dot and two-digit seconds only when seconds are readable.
3.27.59
